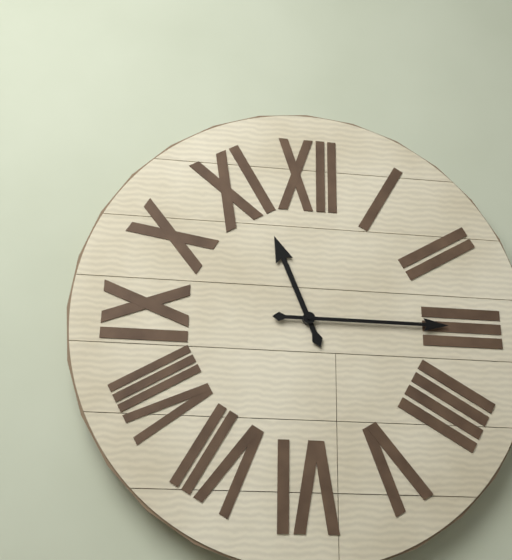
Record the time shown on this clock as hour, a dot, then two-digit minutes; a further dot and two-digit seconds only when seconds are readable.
11.15
